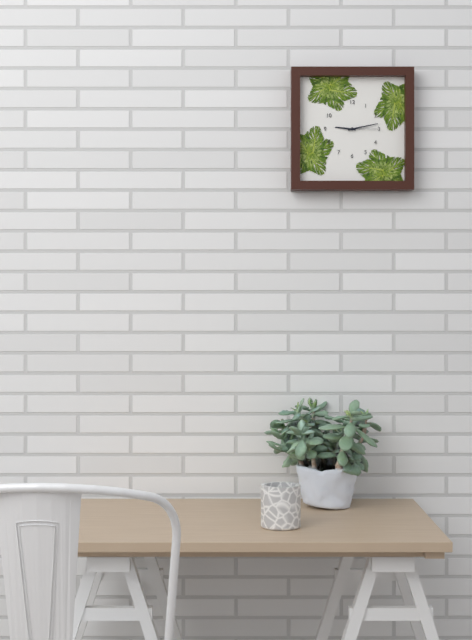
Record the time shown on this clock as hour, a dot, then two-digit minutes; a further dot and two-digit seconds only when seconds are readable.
9.13
